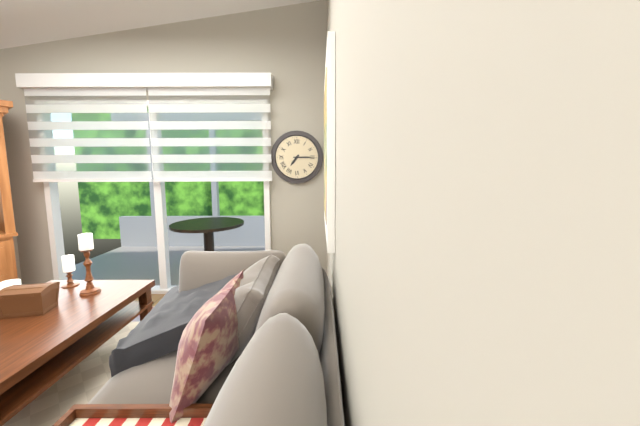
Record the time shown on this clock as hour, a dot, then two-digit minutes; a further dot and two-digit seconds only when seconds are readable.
7.15
